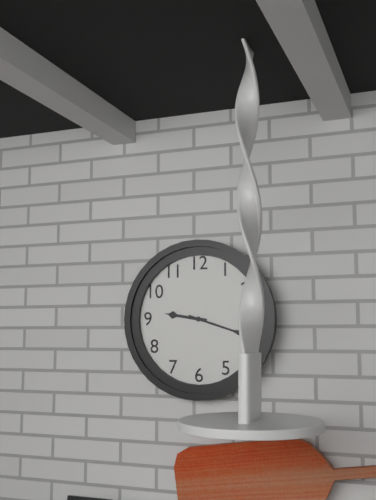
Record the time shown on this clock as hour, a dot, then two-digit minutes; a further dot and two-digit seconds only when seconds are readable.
9.18
